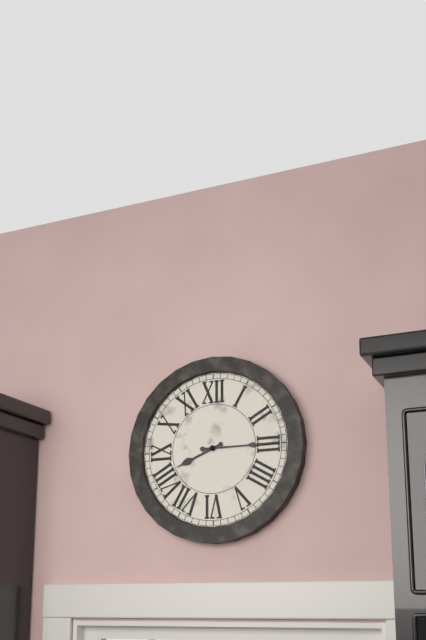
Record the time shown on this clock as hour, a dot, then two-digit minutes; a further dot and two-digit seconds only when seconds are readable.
8.15
